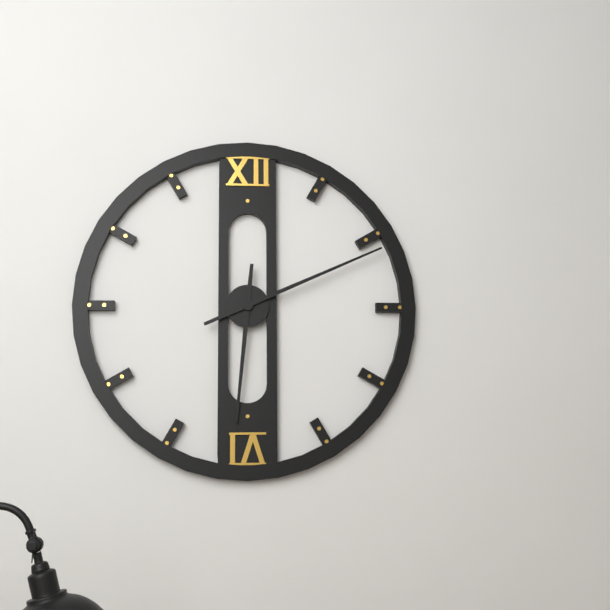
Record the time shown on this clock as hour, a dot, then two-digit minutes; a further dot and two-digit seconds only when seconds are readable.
6.11
